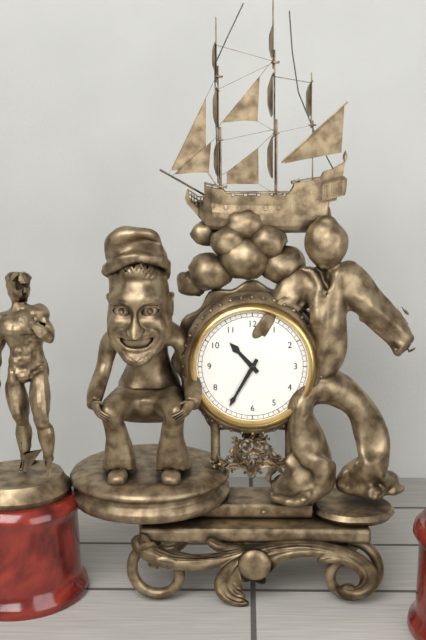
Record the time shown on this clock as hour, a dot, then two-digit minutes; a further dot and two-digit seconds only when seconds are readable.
10.35
